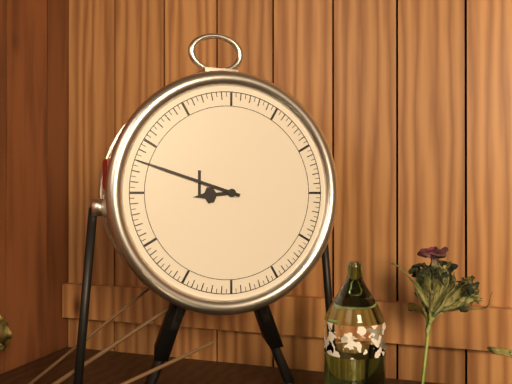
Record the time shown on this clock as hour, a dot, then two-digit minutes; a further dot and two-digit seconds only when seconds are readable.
8.48
